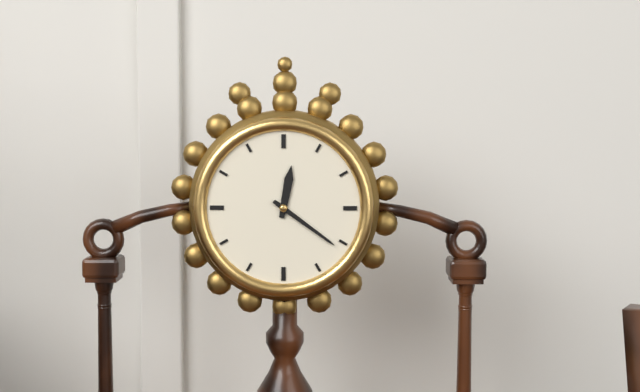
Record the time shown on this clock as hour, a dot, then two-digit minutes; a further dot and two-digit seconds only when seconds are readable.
12.21
